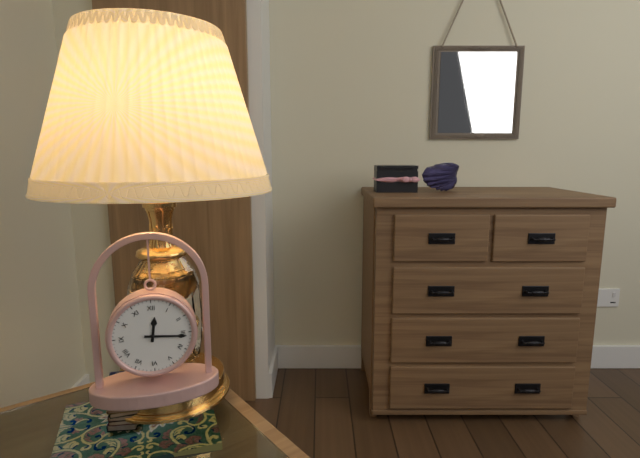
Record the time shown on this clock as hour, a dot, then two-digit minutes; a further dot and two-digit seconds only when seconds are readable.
12.16
